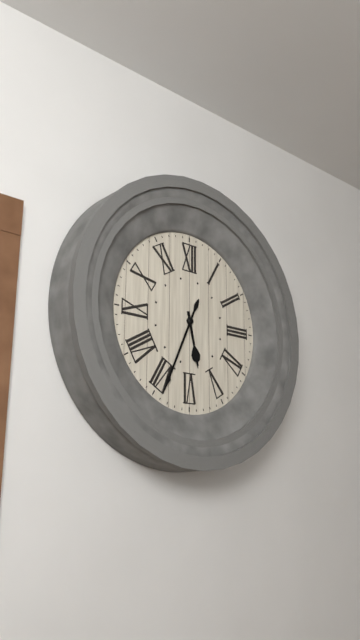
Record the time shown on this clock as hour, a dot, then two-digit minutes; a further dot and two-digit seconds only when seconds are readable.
5.34
